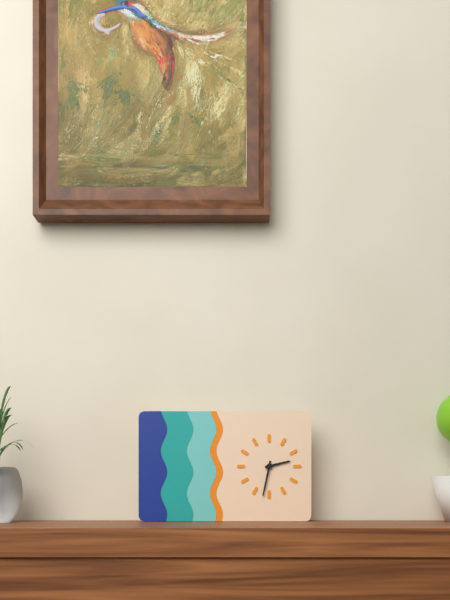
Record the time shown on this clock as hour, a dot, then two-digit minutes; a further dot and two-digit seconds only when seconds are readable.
2.32
